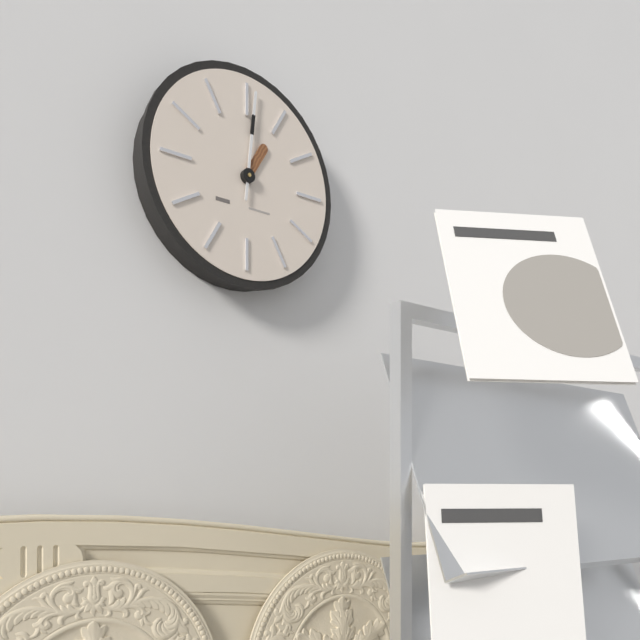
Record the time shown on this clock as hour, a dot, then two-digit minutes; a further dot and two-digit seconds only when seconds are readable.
1.01
